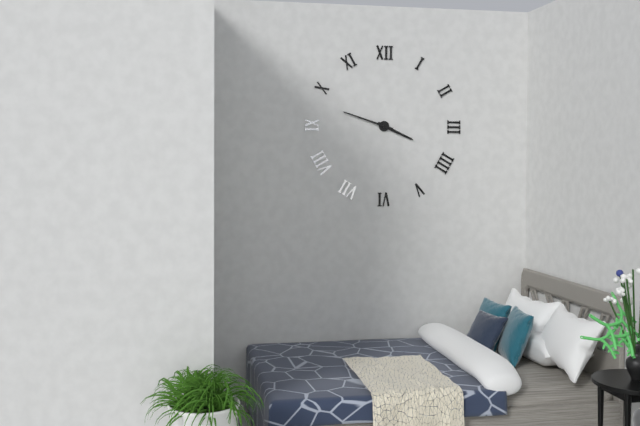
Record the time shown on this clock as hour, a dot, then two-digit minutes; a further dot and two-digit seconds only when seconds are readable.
3.48
